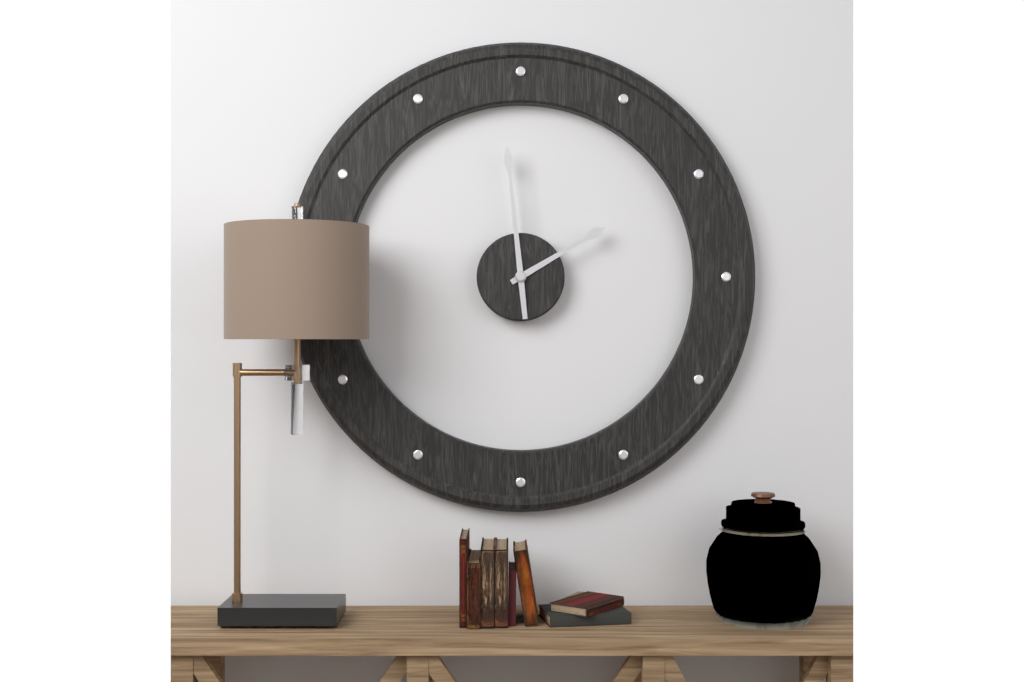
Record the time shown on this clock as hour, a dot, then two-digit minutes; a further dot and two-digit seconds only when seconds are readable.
1.59
